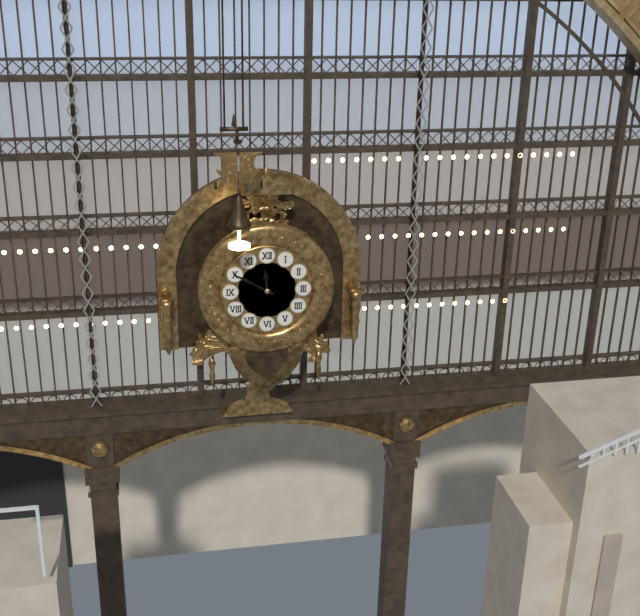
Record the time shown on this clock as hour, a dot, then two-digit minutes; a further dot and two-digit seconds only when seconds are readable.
11.50
